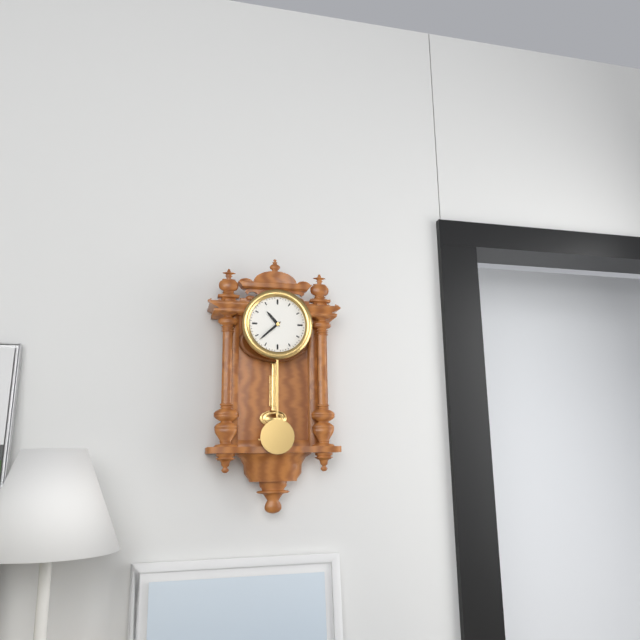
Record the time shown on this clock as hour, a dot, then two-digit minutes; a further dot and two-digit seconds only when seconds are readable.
10.38
